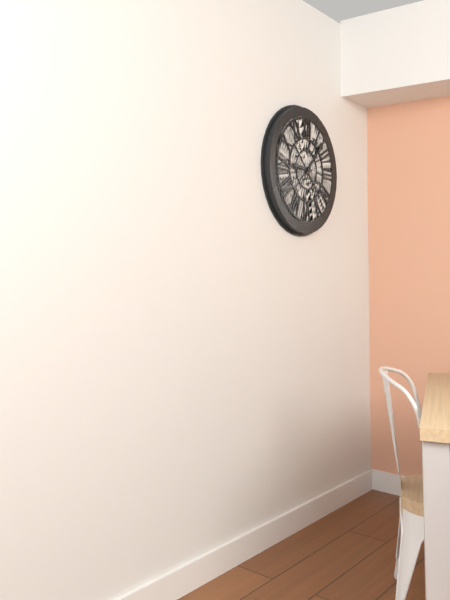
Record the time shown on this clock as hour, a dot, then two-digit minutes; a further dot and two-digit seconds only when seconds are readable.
9.07
